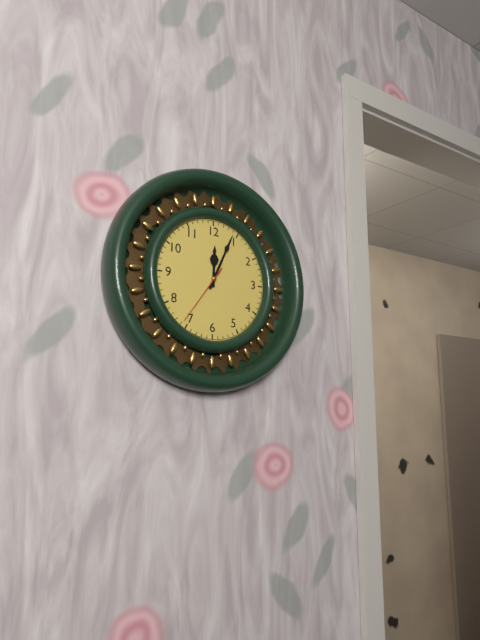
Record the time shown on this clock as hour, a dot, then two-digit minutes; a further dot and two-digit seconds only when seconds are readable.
12.04.36
